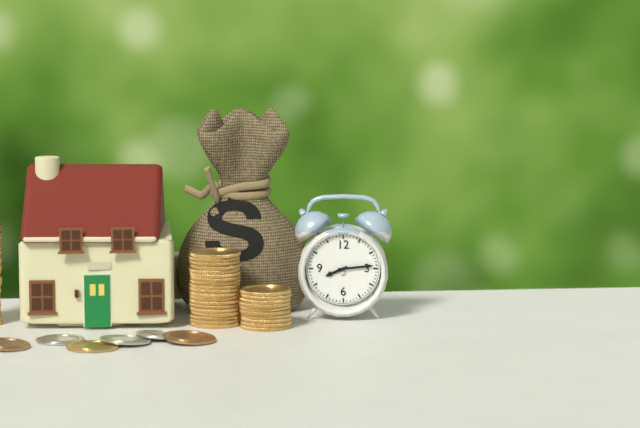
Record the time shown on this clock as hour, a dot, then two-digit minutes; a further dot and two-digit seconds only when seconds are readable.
8.14
